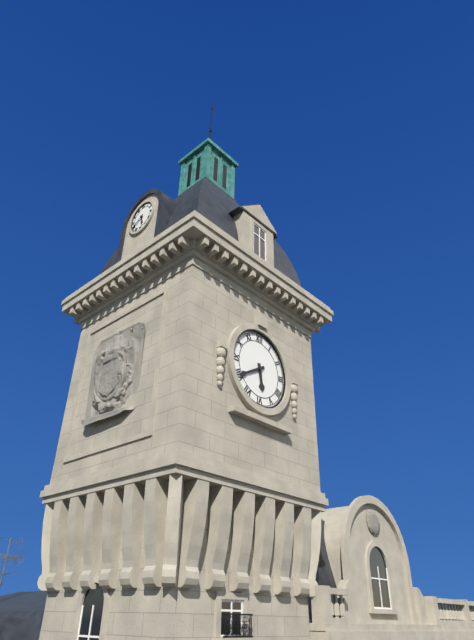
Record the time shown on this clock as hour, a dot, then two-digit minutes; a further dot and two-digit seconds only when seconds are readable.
5.40
